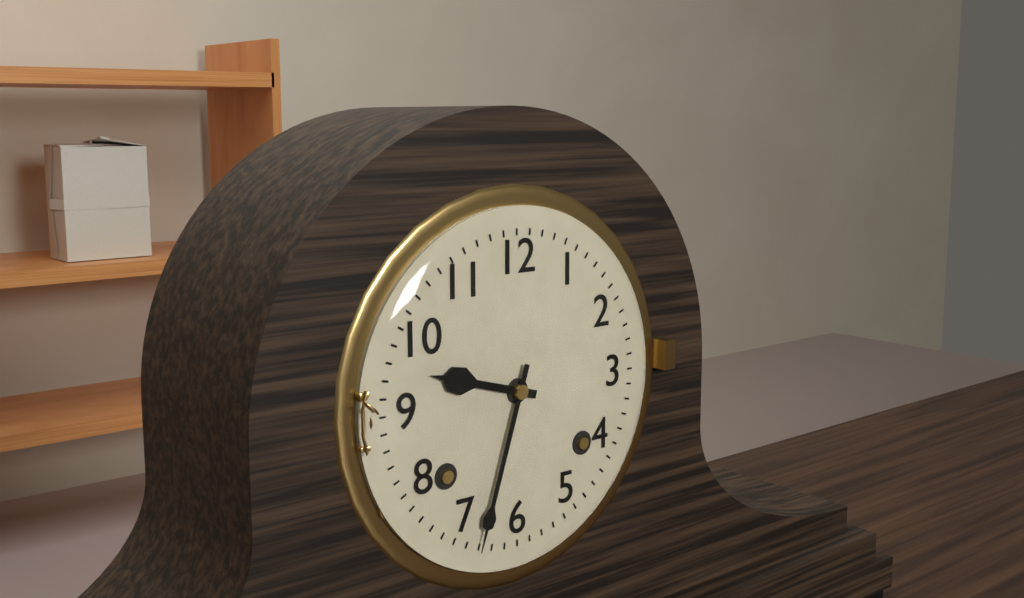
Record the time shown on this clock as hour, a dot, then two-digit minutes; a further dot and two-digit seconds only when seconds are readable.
9.33
